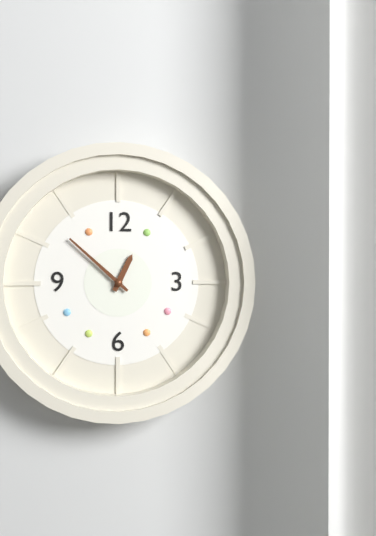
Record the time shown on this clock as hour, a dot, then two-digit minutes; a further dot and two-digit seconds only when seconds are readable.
12.52
